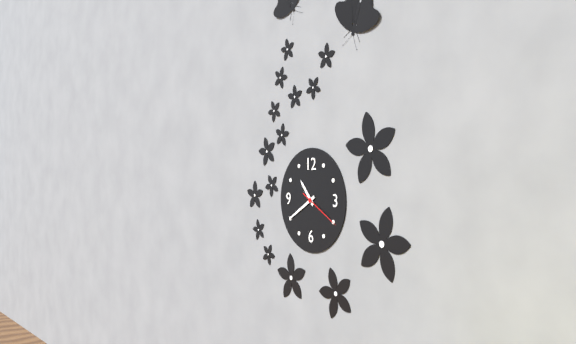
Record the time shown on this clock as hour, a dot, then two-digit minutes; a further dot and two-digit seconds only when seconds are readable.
10.40
